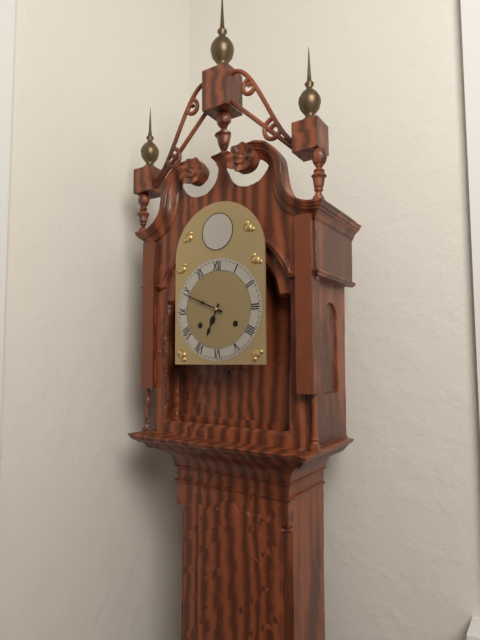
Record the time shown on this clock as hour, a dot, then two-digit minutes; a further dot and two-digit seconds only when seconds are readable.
6.49
